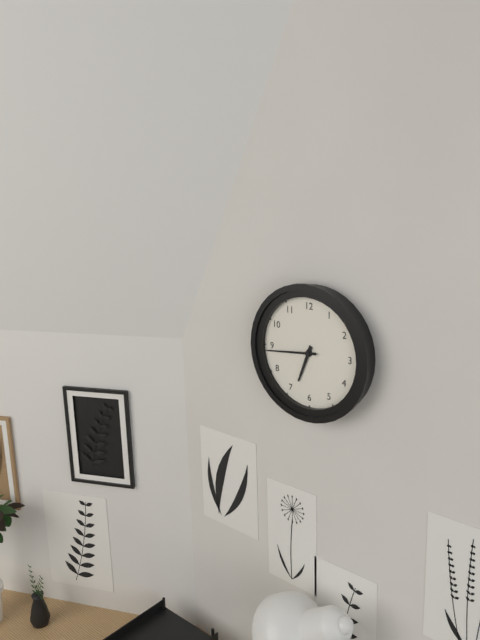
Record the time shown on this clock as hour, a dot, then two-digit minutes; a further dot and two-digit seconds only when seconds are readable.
6.44
